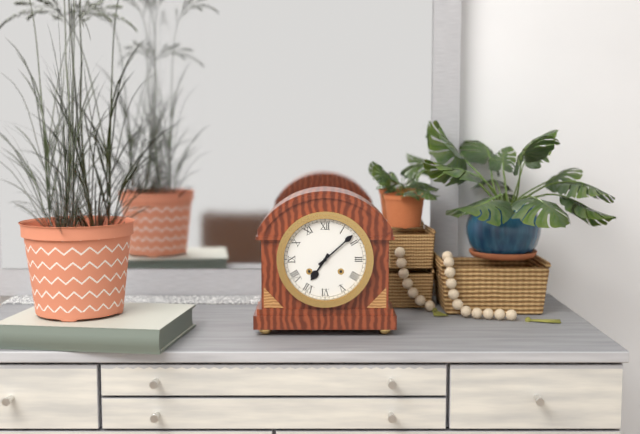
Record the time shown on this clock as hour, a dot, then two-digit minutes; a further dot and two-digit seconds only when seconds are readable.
7.08
